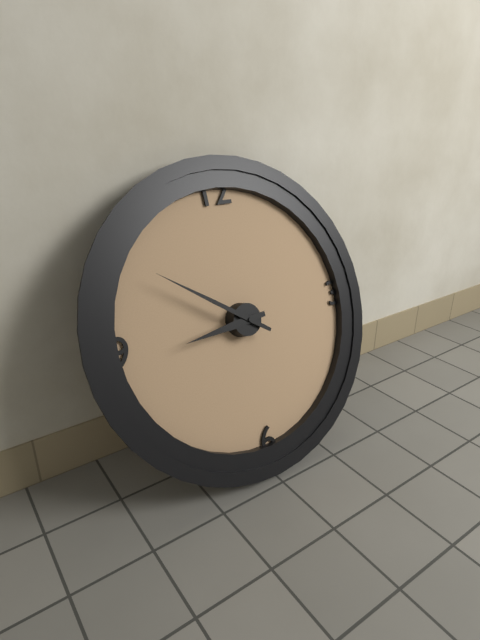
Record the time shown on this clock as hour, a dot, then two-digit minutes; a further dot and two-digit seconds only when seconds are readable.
8.51
